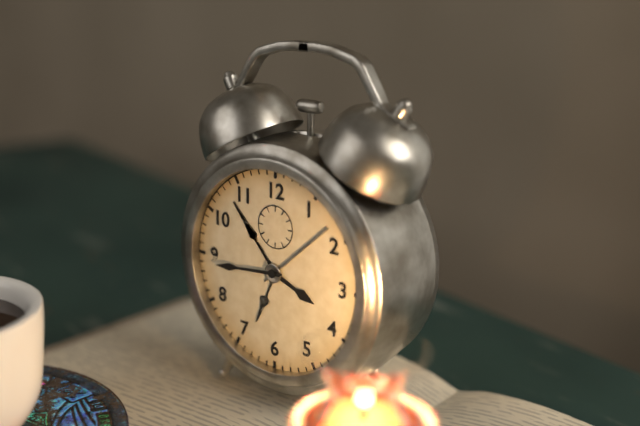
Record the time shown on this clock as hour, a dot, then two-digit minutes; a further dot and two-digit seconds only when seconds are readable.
3.44
